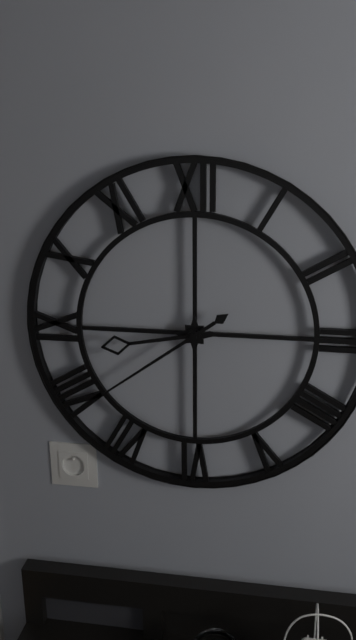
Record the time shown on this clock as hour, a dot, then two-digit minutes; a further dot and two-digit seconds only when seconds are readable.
8.39
